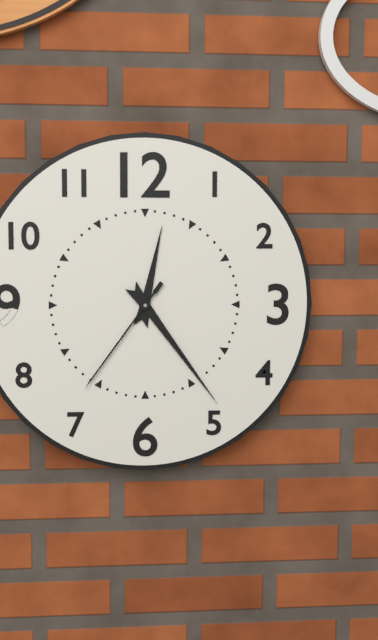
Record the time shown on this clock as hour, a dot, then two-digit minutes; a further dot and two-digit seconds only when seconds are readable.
12.24.36
